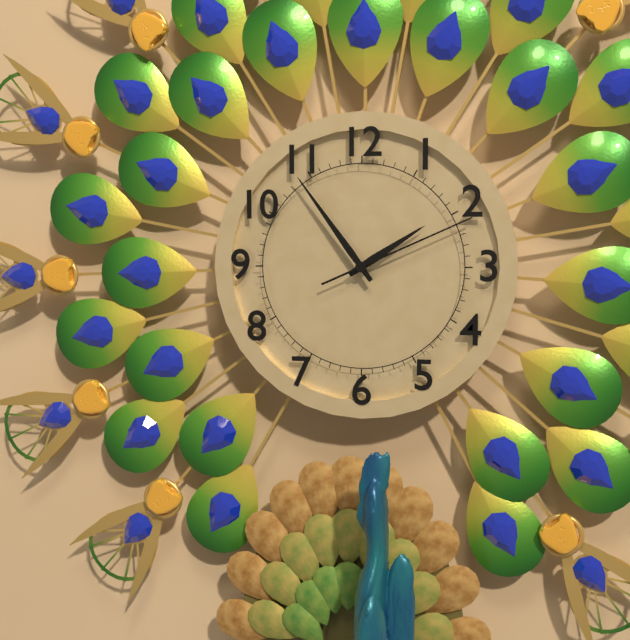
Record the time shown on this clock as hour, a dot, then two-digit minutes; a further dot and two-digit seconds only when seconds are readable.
1.54.11
